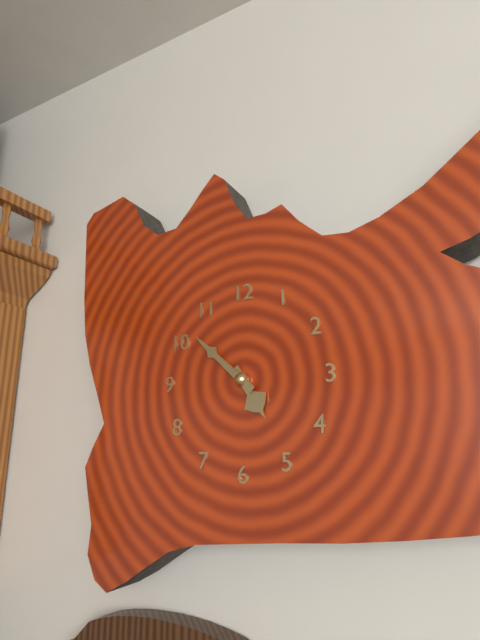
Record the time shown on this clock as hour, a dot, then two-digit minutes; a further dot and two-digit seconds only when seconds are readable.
4.52
